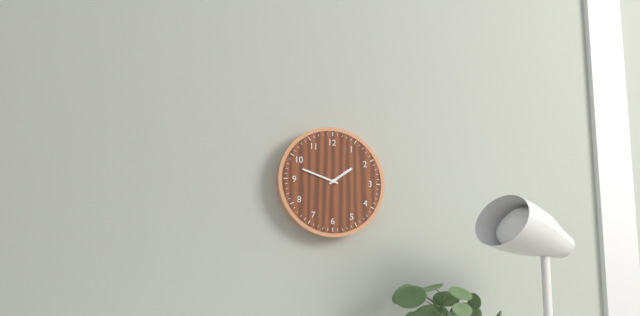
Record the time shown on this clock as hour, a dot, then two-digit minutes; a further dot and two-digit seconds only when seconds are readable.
1.48
